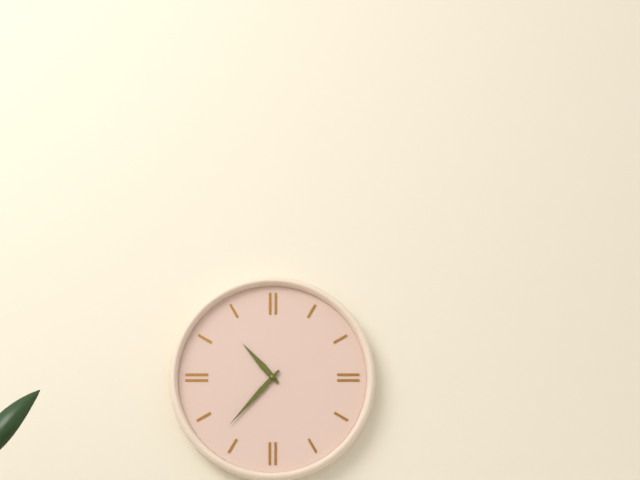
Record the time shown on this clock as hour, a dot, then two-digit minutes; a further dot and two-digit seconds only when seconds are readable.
10.37
